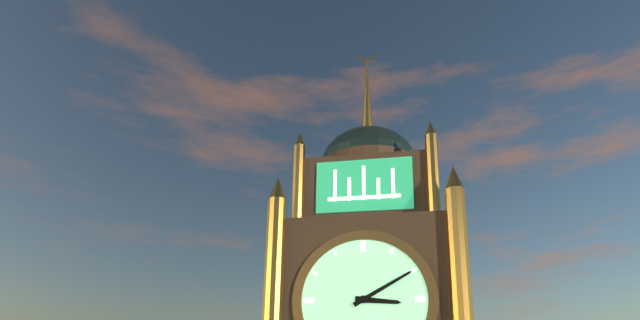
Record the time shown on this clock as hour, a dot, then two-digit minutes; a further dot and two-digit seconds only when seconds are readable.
3.10
